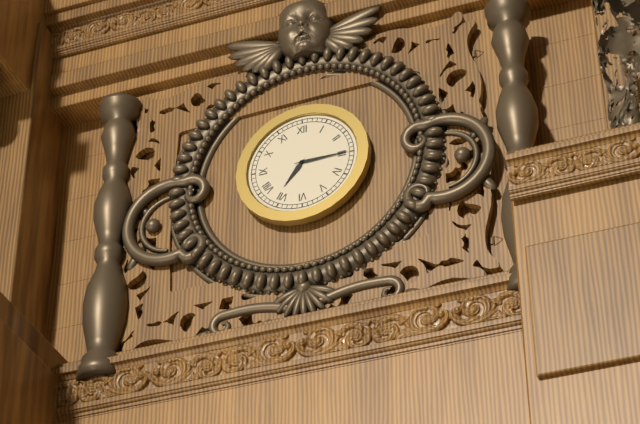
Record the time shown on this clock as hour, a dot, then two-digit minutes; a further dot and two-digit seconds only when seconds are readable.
7.15
